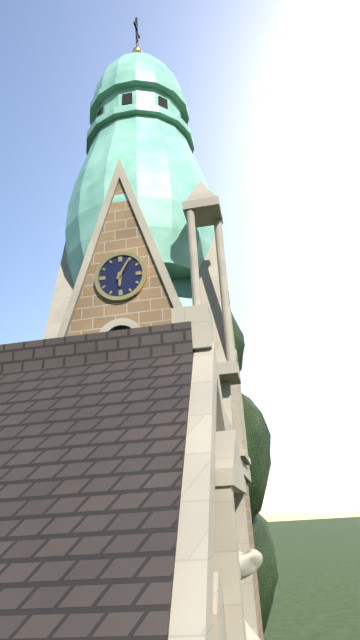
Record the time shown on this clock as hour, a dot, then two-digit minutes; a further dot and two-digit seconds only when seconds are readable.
6.05
